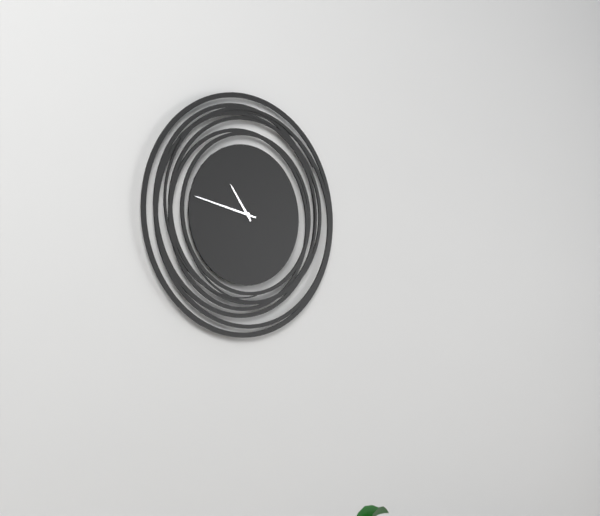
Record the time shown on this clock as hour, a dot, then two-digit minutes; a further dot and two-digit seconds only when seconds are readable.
10.47
